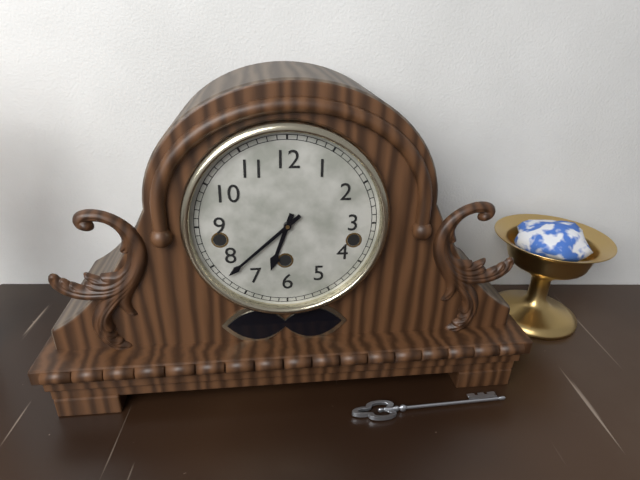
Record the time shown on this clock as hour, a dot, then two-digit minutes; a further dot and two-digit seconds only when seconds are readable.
6.38
